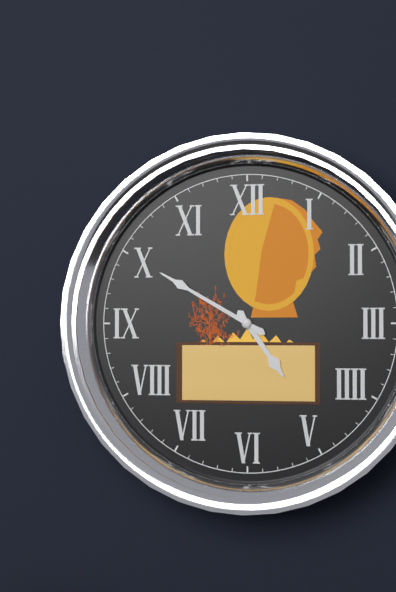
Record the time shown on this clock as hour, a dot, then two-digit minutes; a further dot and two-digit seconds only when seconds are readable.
4.50
